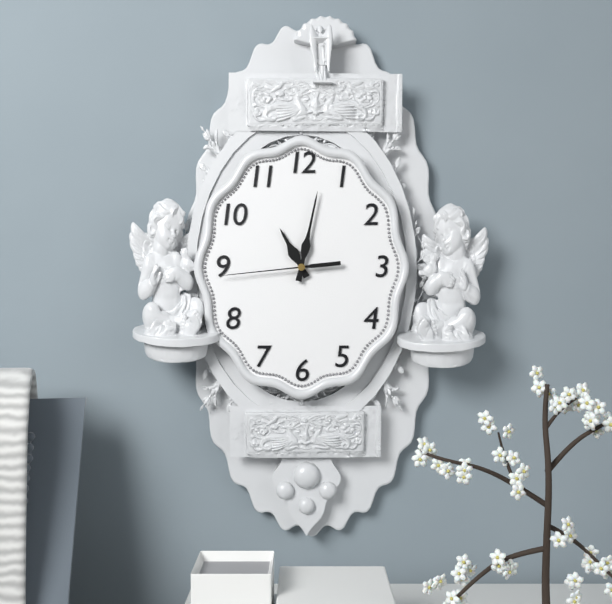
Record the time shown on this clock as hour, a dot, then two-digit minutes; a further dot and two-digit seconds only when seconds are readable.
11.02.44
